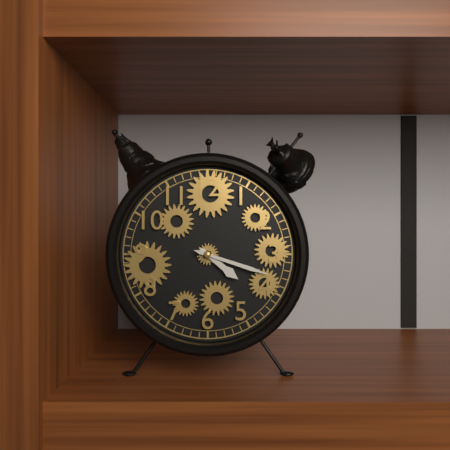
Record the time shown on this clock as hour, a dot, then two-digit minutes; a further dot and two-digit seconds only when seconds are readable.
4.18
